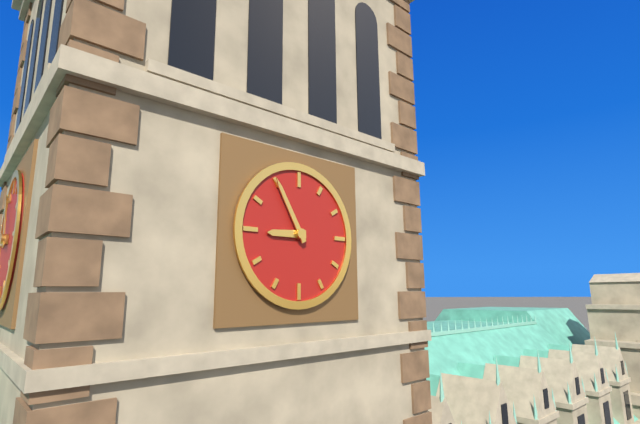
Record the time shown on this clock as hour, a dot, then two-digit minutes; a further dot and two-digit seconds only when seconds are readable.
8.55
